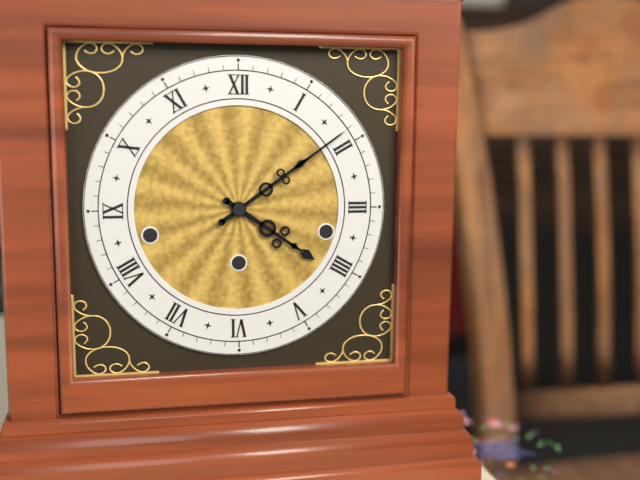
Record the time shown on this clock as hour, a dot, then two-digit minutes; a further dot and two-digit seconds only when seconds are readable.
4.09
